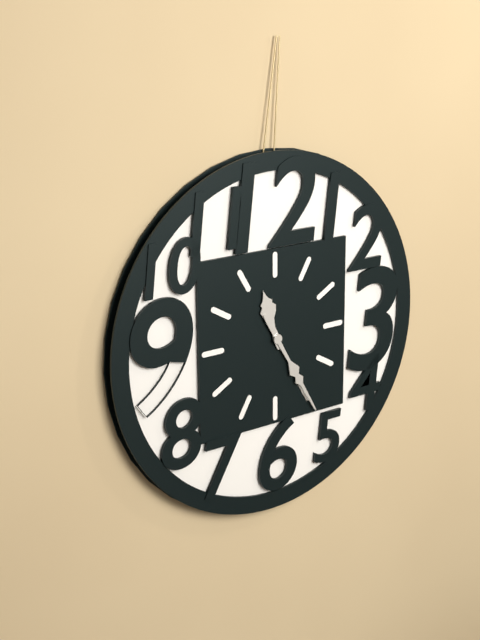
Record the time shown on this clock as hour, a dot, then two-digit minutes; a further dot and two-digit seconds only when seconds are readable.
11.25
